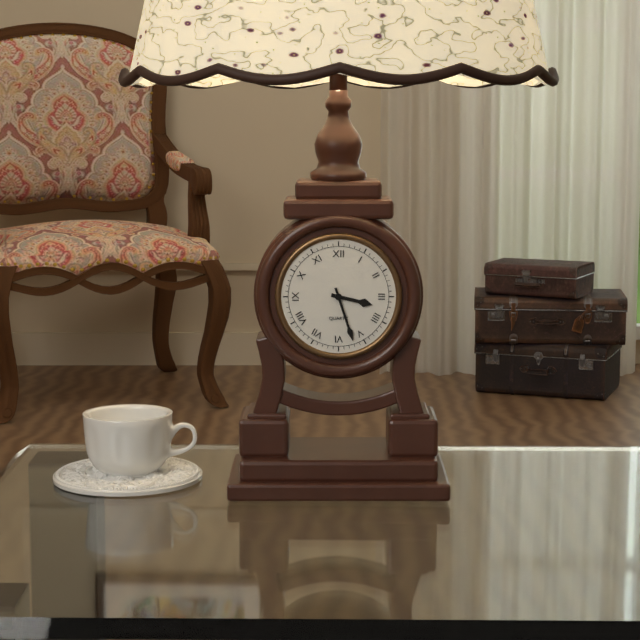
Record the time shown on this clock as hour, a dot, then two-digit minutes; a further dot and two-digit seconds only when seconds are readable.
3.27
